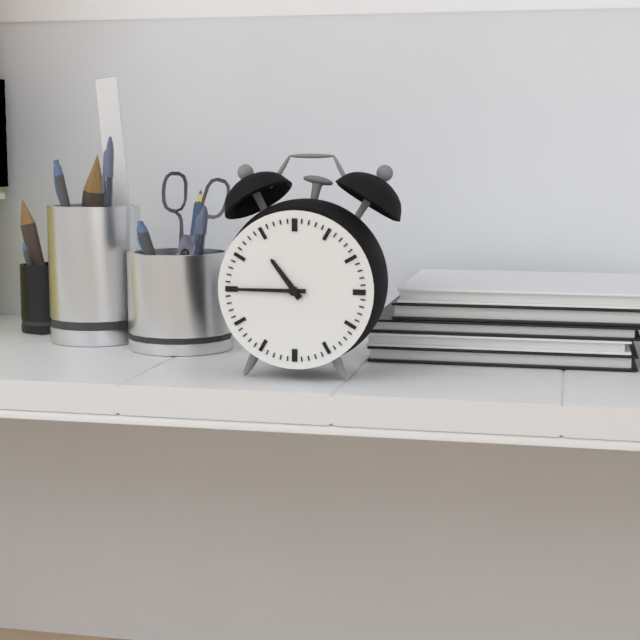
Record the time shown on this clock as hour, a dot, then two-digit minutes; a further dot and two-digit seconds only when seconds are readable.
10.45
